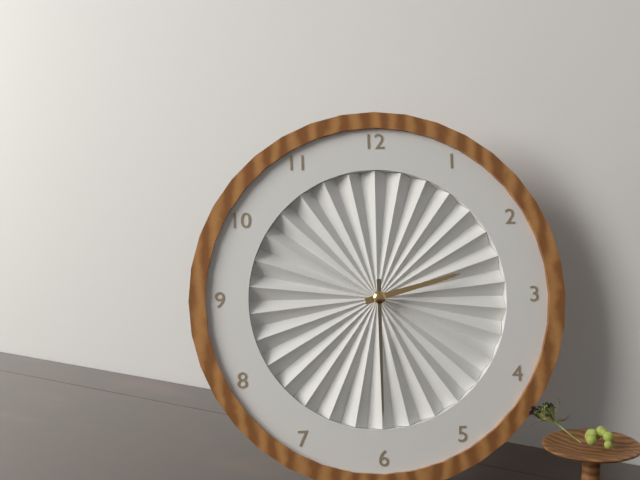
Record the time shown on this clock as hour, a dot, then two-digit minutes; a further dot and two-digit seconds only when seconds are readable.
2.30
